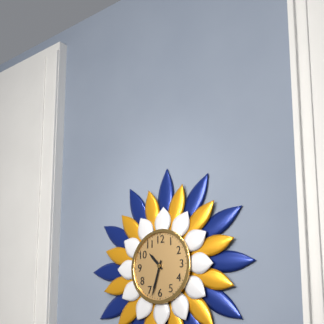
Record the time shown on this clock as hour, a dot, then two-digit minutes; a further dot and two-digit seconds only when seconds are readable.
10.33
